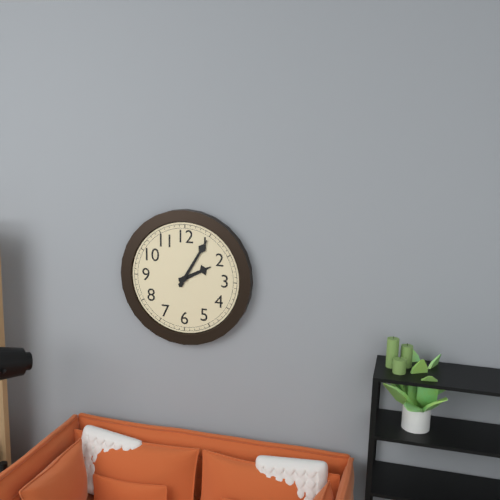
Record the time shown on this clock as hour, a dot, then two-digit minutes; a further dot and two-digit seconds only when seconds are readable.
2.05
